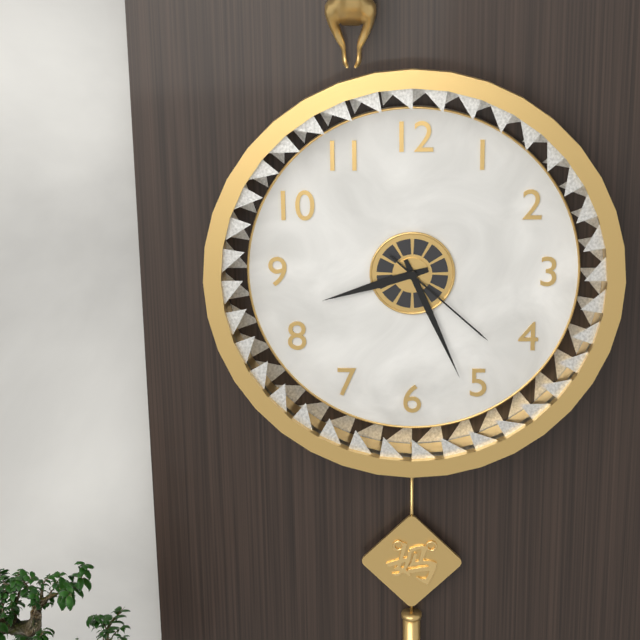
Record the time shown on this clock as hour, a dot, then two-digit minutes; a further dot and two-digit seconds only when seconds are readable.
8.26.22
